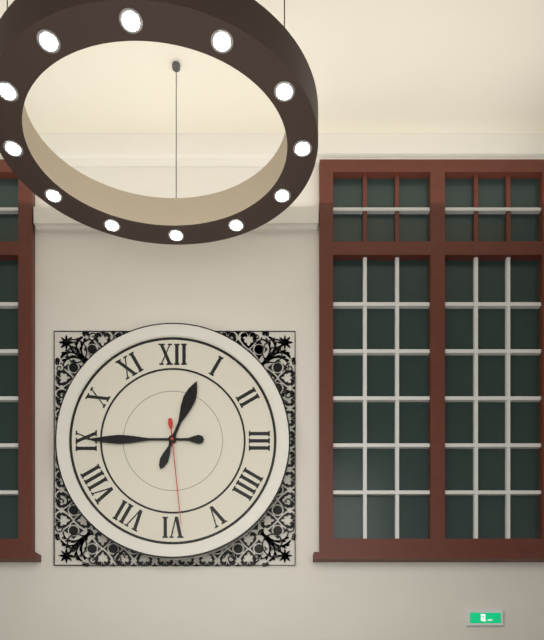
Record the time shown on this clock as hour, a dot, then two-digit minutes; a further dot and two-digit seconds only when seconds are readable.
12.45.29
